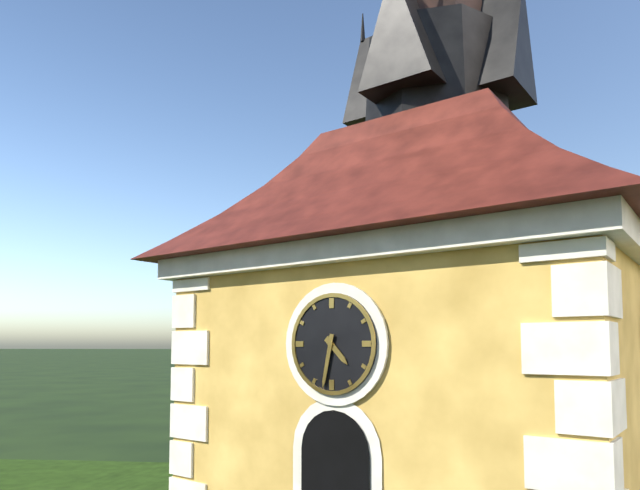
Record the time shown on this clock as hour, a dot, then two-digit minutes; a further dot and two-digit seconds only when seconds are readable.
4.32
